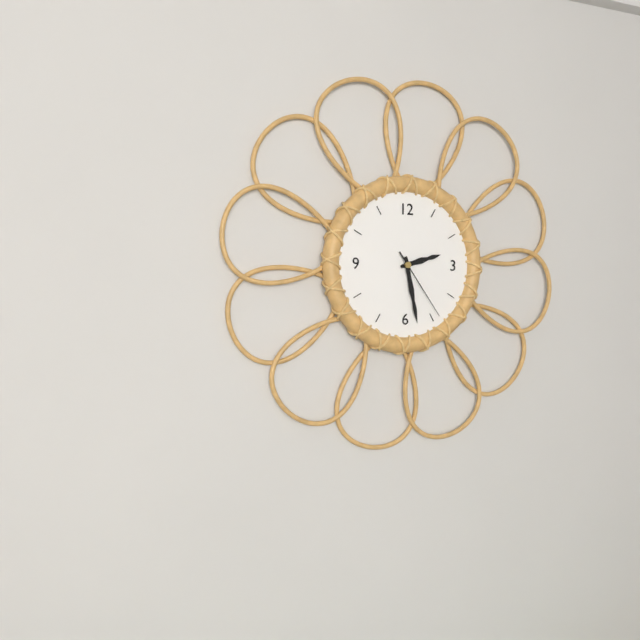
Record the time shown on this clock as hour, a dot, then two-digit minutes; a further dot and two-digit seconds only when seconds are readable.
2.28.24
